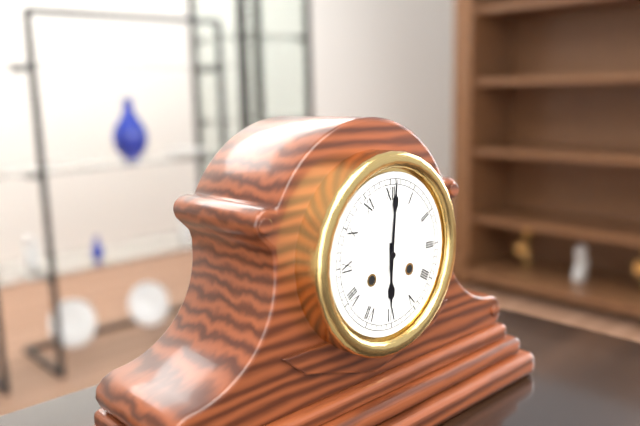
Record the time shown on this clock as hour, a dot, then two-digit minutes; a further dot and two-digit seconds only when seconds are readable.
6.01
